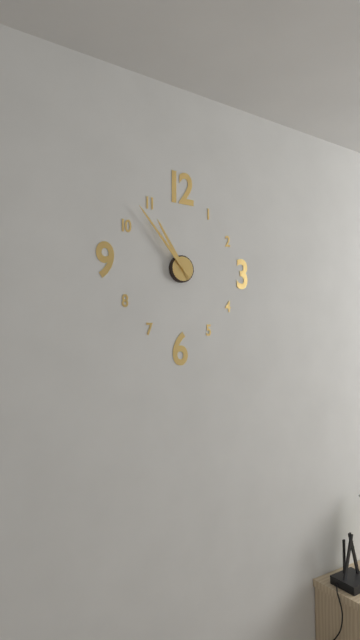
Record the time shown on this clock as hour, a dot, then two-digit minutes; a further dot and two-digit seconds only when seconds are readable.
10.53
